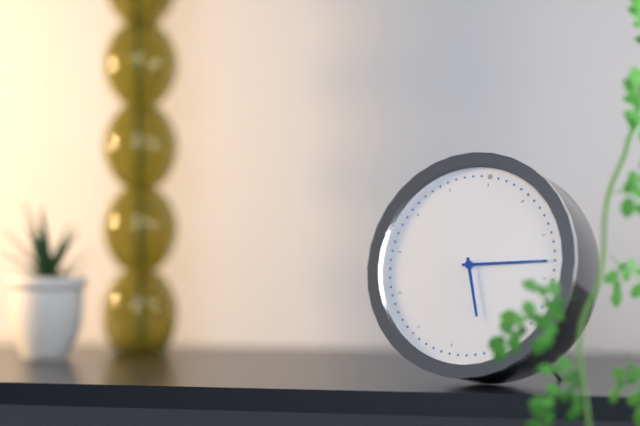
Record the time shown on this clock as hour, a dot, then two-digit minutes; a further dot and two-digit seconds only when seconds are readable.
5.13
